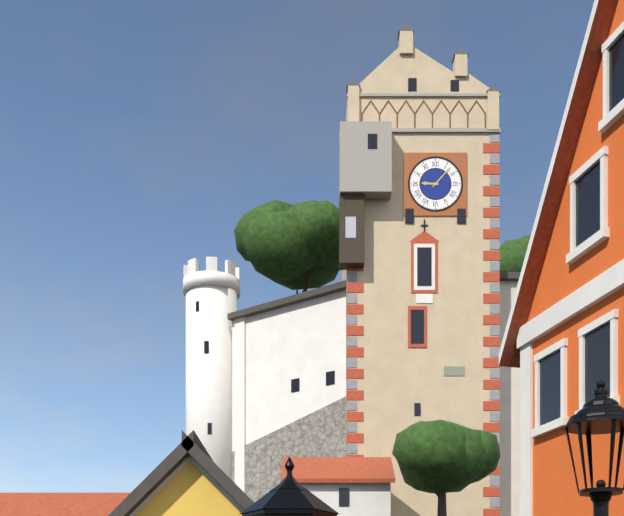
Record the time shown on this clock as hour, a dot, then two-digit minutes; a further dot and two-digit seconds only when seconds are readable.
9.07
